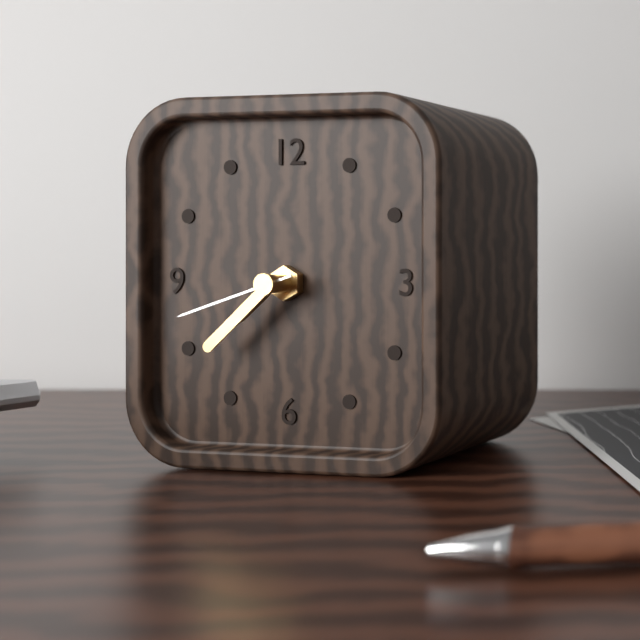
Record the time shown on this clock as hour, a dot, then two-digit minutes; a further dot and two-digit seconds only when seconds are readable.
7.38.42
